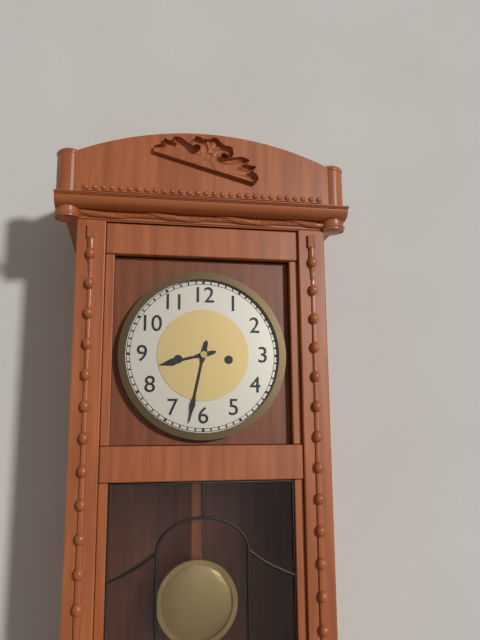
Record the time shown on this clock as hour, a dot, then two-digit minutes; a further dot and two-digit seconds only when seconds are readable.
8.32
